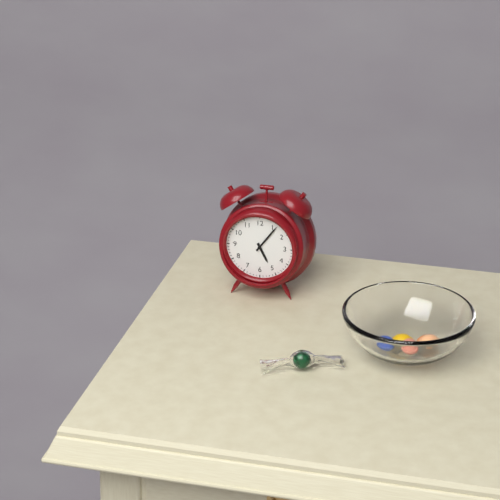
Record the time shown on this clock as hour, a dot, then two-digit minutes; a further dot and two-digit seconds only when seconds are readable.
5.06
